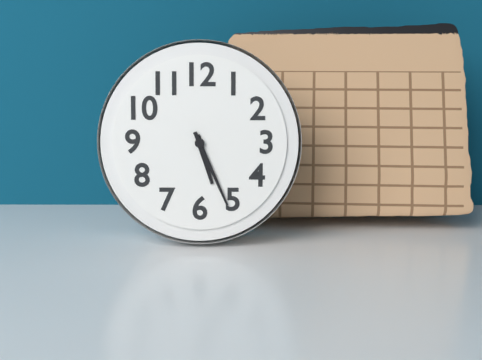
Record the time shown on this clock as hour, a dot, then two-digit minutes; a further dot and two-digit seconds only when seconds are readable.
5.26
